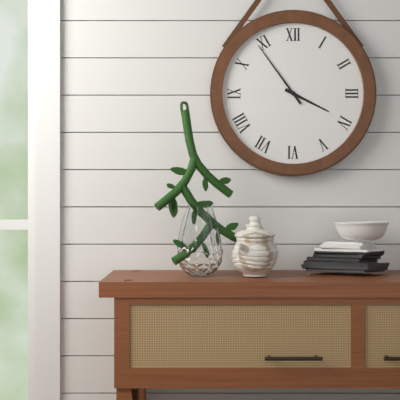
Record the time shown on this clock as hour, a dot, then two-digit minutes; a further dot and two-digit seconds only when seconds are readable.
3.54
